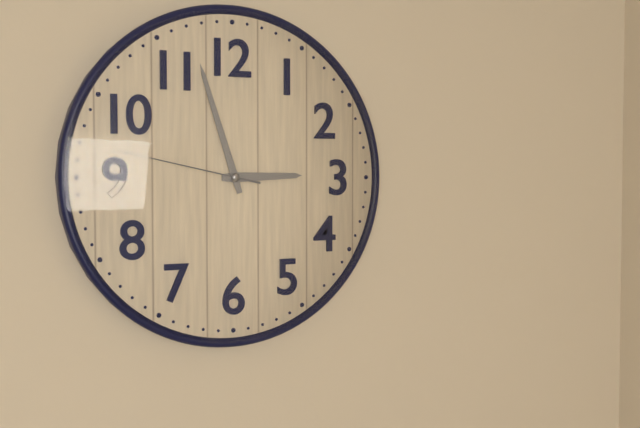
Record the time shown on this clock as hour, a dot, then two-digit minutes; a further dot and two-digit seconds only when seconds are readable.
2.57.47
